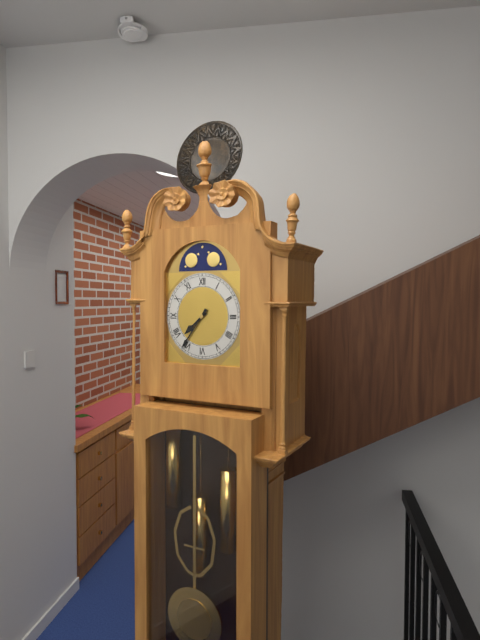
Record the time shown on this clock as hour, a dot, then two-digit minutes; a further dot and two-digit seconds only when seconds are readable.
7.36
